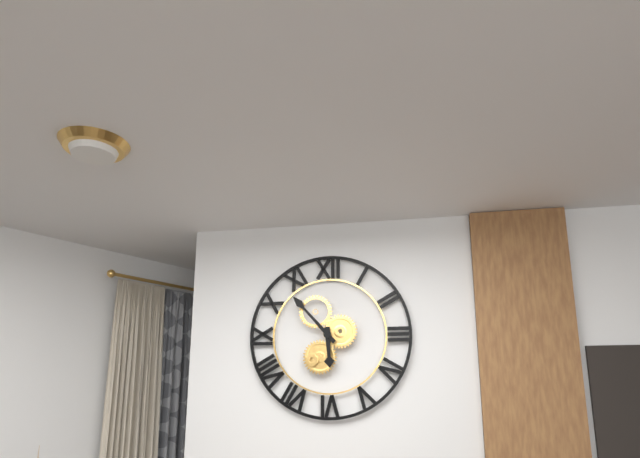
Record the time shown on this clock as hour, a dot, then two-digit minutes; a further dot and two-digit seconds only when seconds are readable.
5.53
